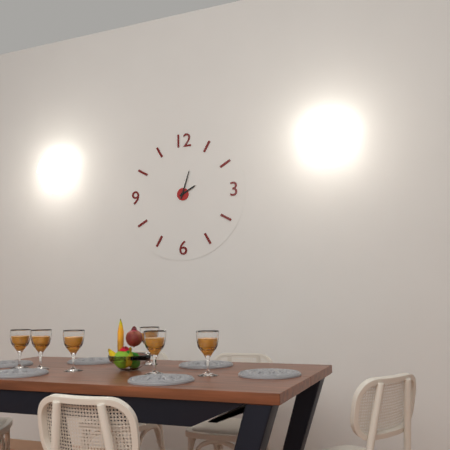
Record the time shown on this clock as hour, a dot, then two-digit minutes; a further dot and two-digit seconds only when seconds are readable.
2.03
